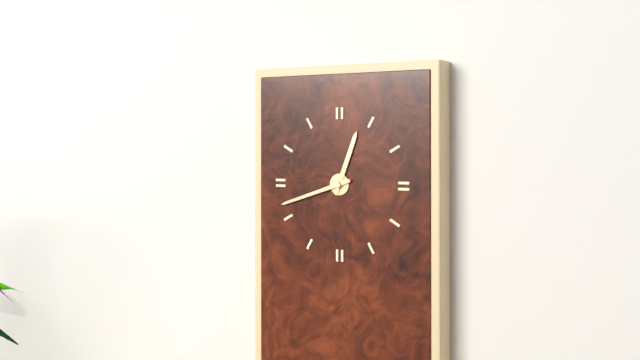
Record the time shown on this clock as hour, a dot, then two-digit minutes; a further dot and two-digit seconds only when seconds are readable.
12.42
